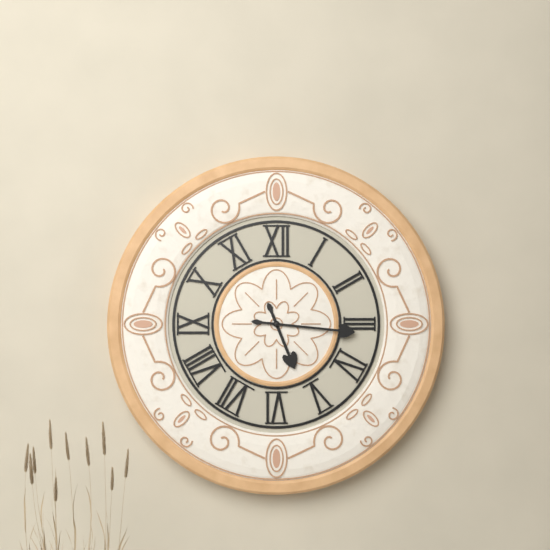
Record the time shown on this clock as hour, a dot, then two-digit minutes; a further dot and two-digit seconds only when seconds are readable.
5.16
